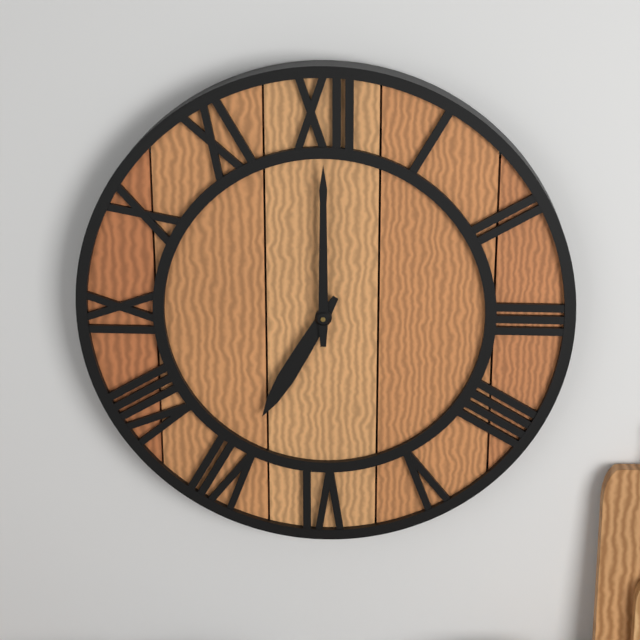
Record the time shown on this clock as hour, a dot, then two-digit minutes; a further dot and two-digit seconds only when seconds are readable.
7.00
